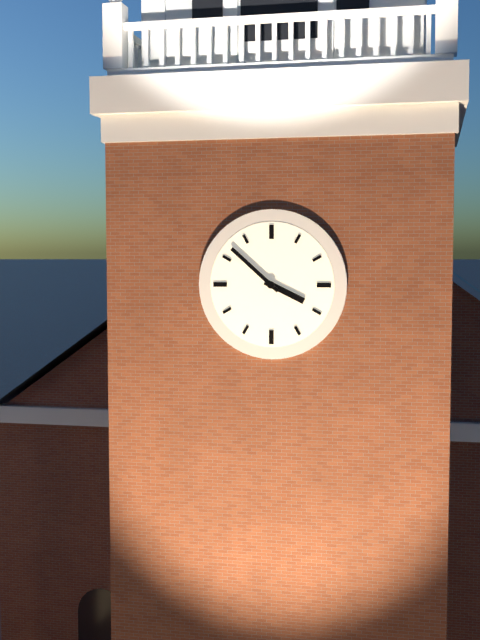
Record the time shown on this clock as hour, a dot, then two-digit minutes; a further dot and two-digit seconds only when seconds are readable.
3.52
